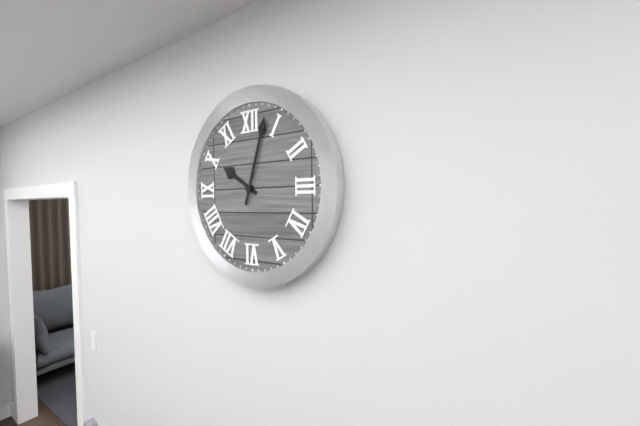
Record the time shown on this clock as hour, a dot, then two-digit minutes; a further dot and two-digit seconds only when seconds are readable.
10.03
